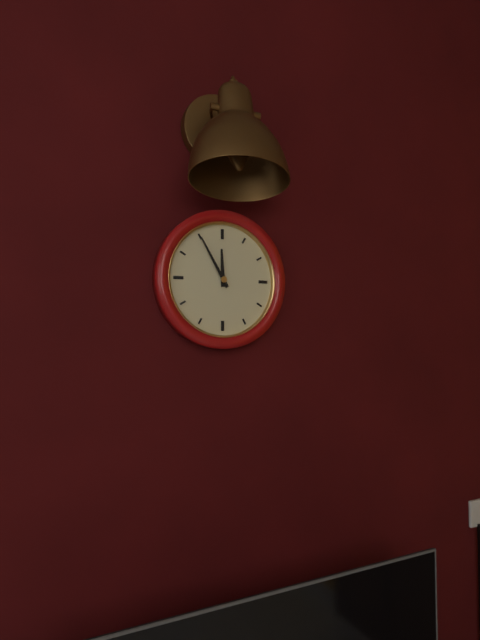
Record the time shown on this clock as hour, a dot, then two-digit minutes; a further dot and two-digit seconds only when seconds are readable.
11.55
